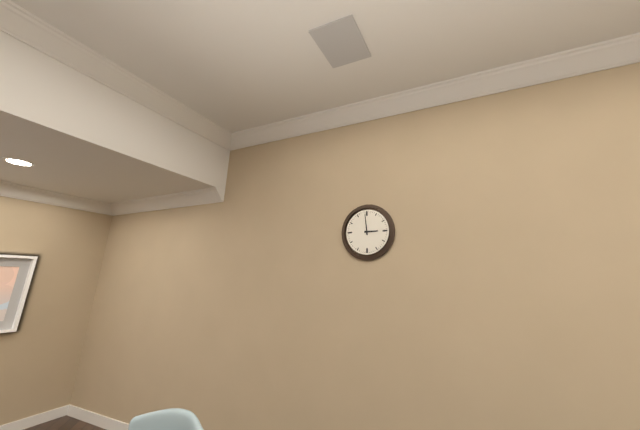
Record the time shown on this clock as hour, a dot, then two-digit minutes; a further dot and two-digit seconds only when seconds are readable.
2.59
